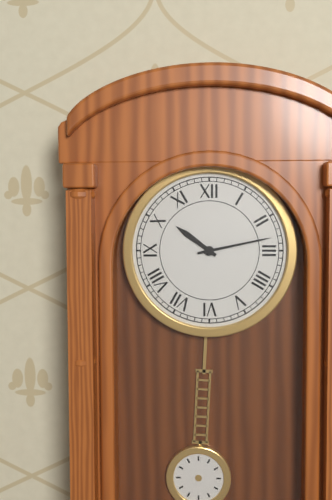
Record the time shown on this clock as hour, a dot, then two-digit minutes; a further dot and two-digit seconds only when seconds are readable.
10.13
